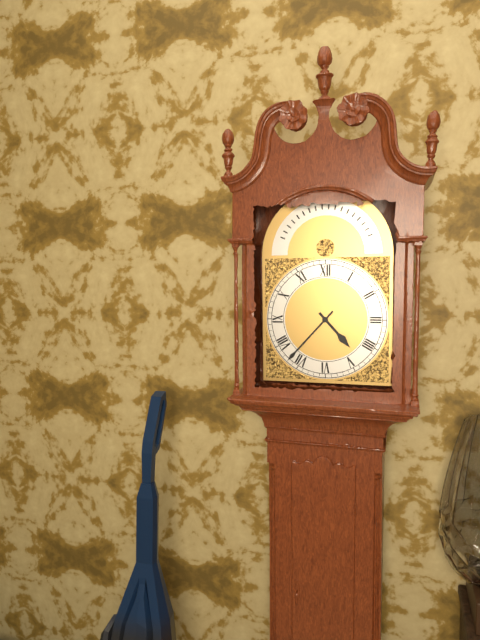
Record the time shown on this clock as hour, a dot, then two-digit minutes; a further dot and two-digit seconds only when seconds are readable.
4.37
